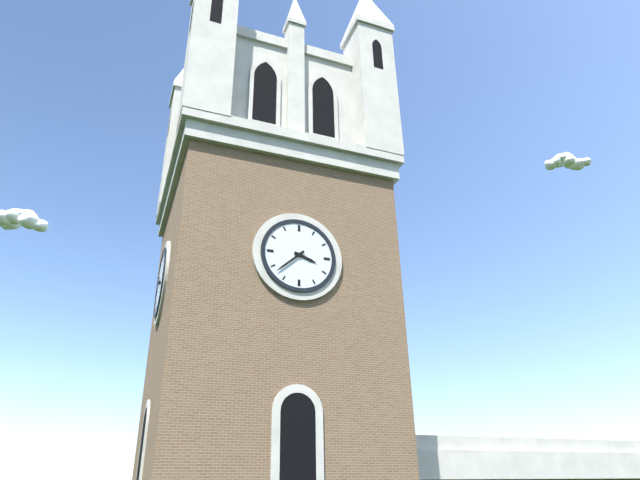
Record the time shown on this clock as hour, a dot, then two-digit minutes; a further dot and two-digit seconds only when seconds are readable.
3.38
